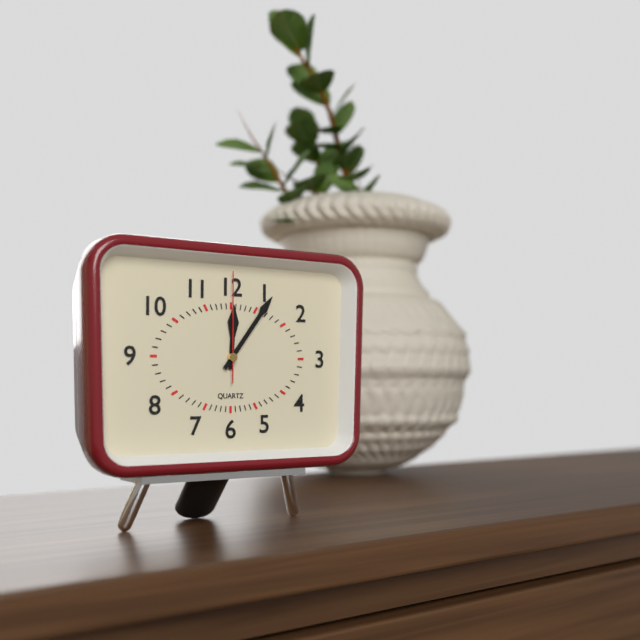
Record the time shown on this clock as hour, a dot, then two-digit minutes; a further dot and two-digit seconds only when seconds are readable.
12.06.00
